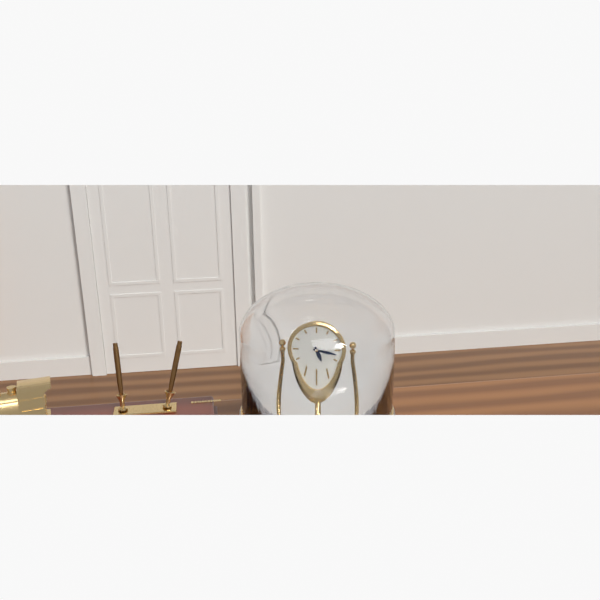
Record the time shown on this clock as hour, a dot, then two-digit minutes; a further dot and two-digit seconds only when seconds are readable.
5.17
